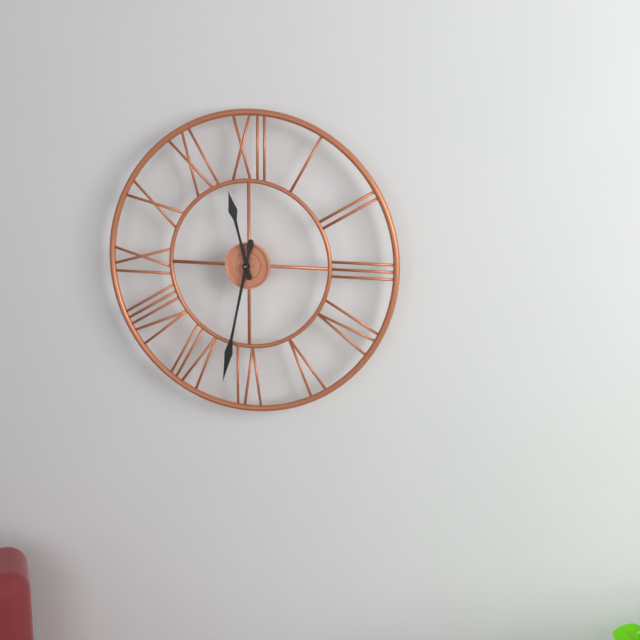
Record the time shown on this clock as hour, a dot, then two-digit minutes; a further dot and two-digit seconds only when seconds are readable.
11.32
